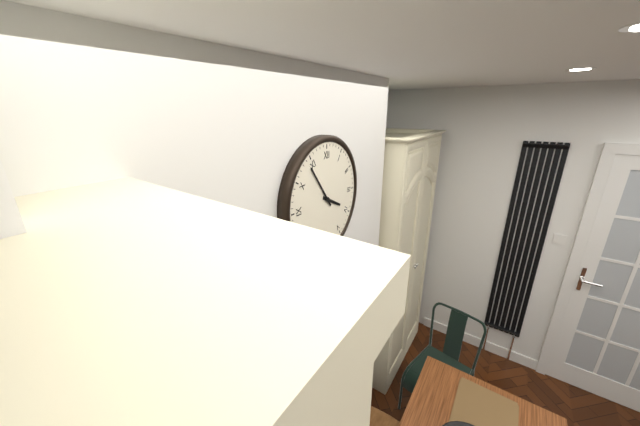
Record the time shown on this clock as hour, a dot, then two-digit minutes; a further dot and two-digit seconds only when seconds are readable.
3.54
